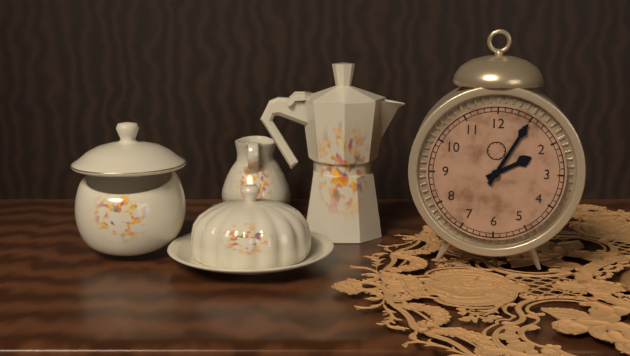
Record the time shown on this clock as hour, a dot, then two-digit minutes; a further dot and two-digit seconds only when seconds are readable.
2.05
